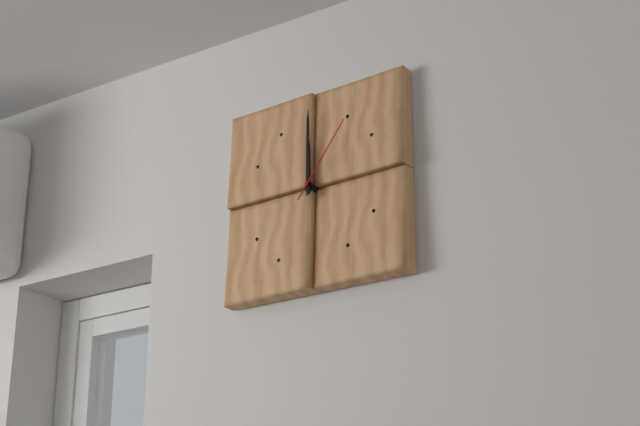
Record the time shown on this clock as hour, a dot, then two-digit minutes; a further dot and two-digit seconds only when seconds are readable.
12.00.06
